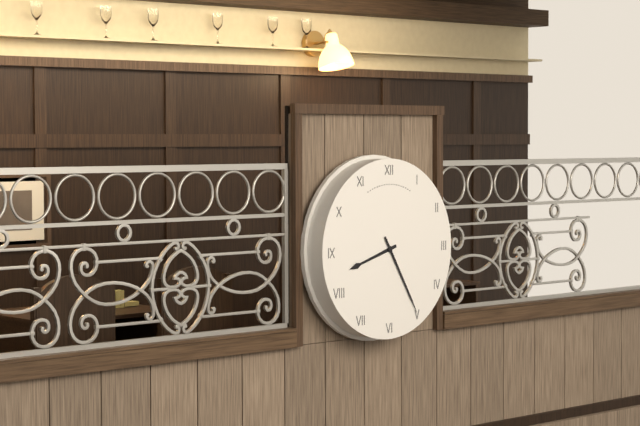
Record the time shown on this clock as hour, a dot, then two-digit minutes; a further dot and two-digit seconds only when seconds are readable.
8.25
